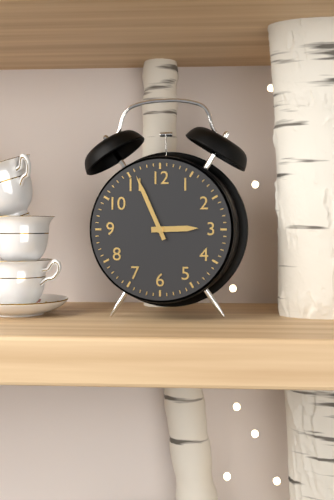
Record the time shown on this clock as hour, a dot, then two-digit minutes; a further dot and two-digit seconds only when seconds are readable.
2.56
